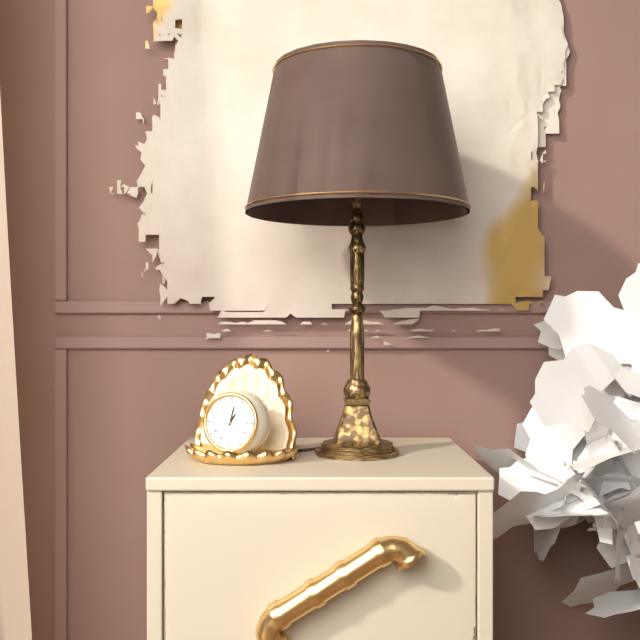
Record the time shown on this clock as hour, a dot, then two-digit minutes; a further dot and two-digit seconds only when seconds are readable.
1.02
